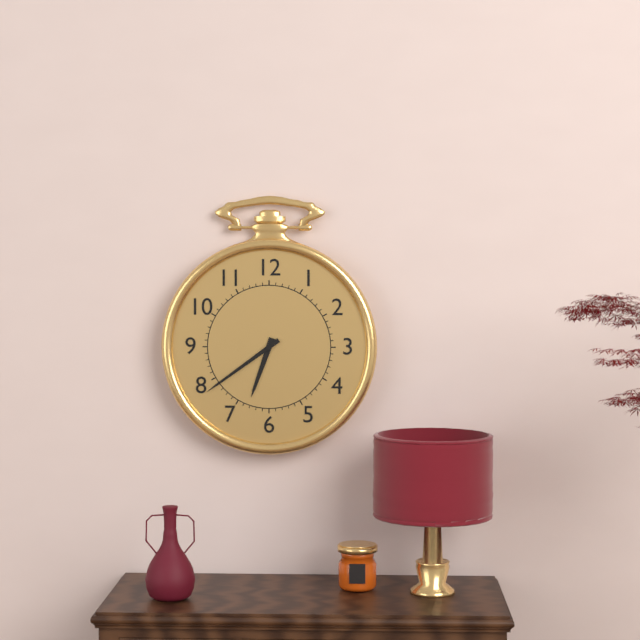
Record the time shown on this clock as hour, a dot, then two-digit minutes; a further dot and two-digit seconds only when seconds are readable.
6.39
